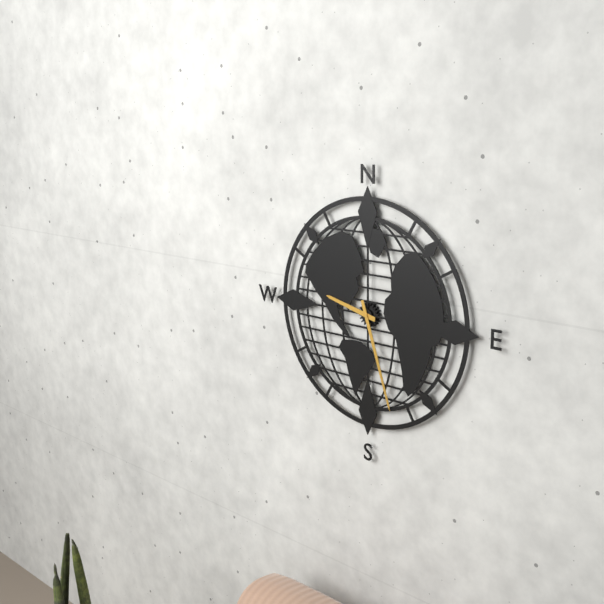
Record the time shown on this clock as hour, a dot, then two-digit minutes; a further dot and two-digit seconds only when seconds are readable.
9.27
